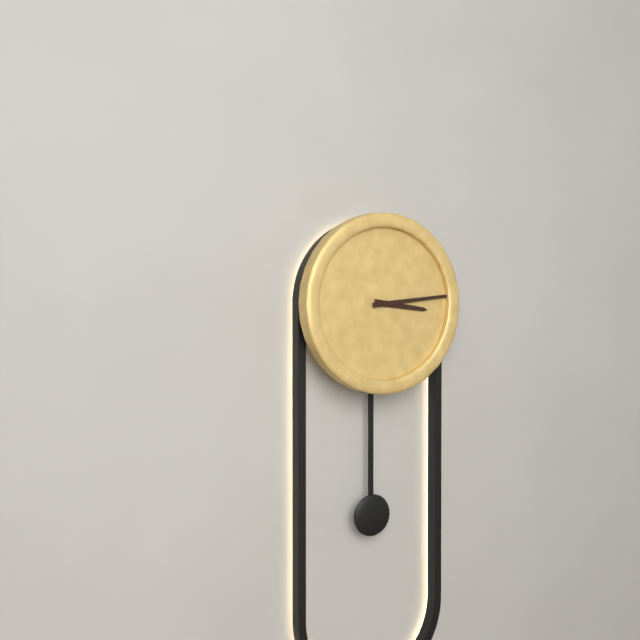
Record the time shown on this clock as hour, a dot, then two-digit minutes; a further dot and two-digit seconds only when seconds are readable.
3.14
